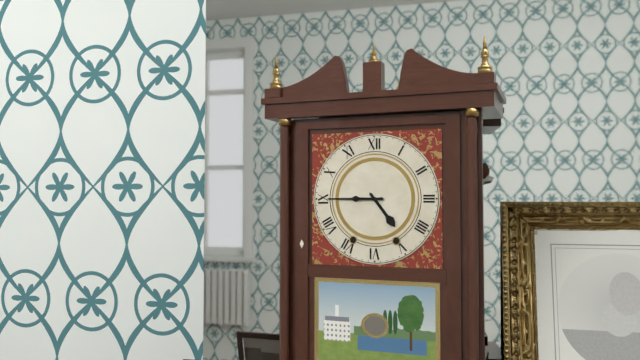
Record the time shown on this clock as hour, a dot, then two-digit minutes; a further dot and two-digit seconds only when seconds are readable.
4.45
